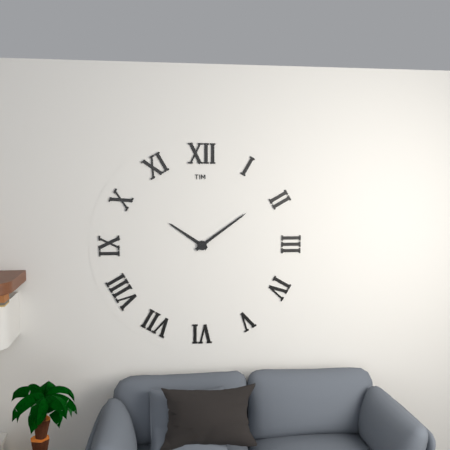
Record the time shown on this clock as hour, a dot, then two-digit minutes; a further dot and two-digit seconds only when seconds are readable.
10.09
